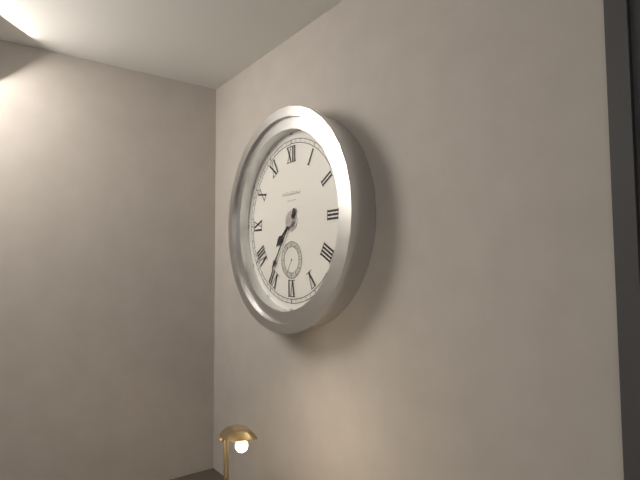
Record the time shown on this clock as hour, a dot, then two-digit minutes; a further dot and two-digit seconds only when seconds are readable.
7.36
